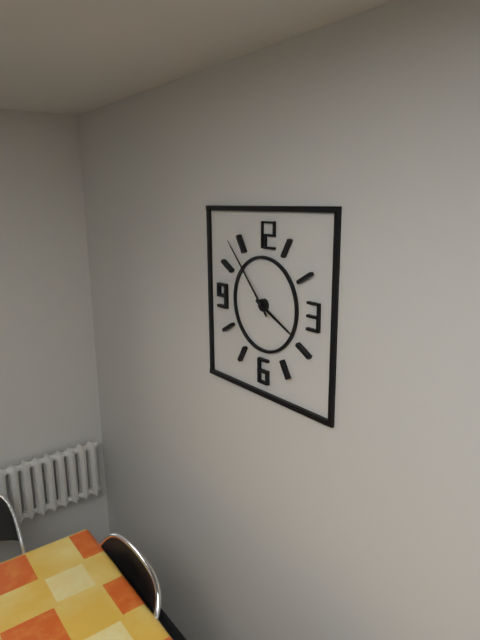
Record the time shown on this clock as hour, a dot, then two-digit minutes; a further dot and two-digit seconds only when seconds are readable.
3.53
